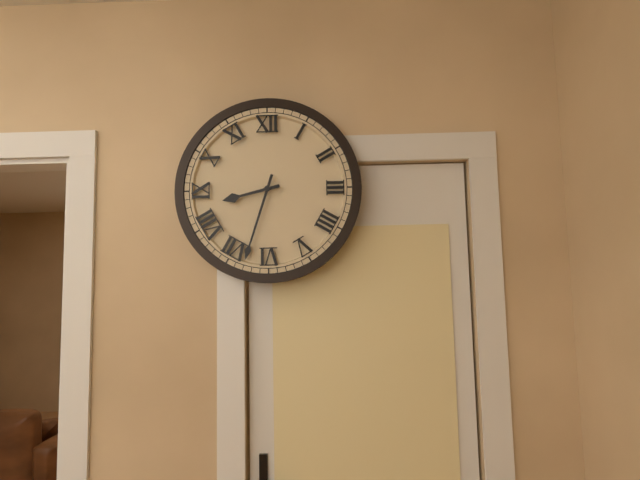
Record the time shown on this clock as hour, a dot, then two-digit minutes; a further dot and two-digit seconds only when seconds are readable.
8.33
